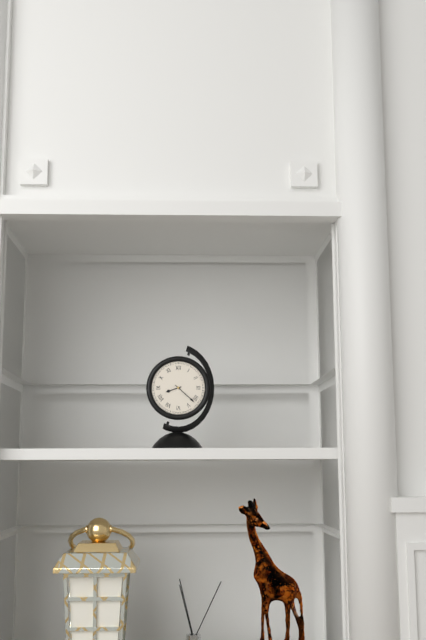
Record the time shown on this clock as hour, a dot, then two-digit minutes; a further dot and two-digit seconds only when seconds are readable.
8.22
